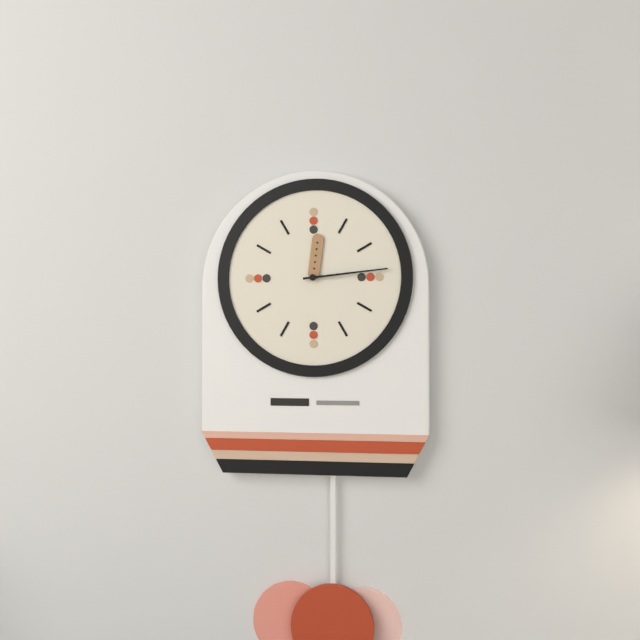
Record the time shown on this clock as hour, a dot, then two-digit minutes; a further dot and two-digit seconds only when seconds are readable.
12.14
